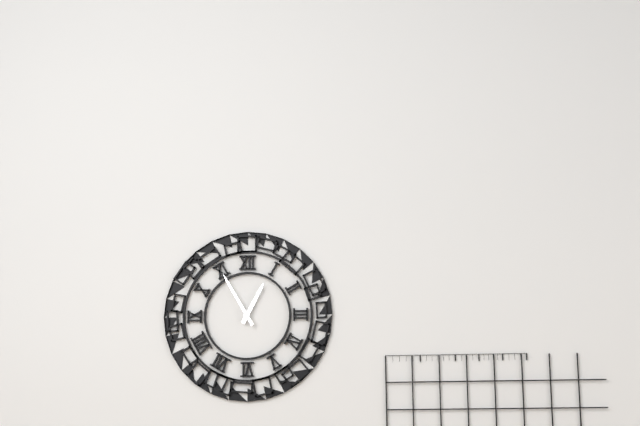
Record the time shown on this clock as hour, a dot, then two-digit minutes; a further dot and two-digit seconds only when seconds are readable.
12.55
